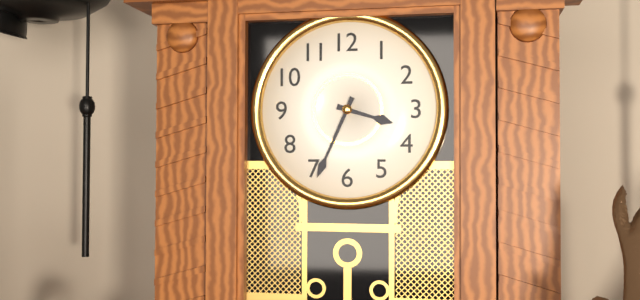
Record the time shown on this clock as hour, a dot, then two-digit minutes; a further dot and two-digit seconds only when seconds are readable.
3.34
